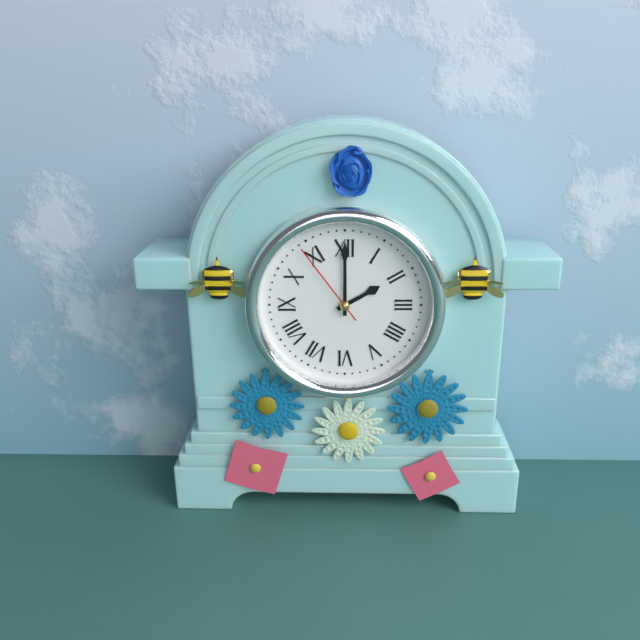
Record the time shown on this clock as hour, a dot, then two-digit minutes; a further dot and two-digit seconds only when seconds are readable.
2.00.54
